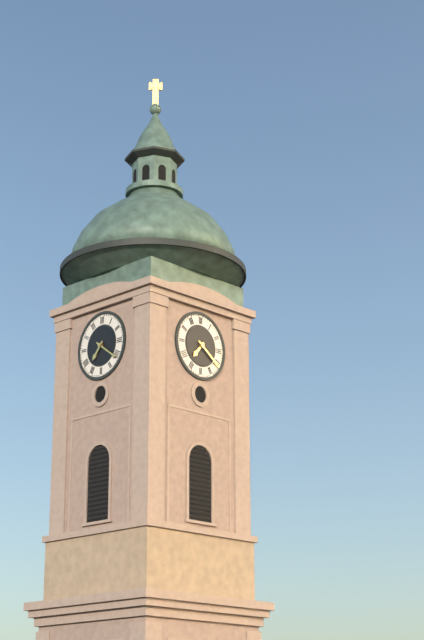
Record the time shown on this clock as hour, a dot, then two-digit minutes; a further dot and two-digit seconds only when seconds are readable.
7.21
